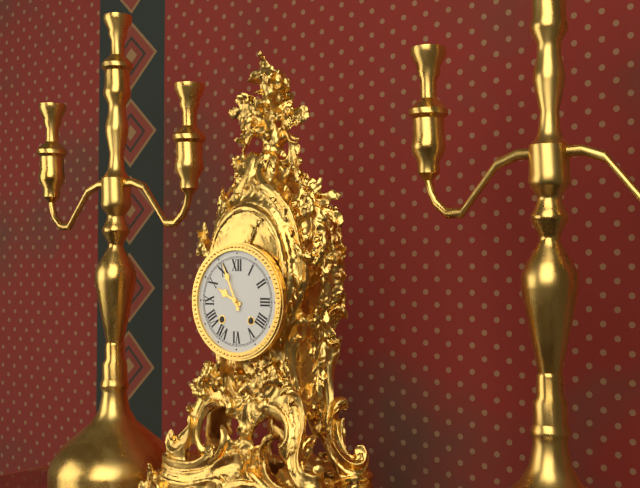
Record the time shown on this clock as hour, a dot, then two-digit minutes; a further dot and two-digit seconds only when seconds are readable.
9.56
